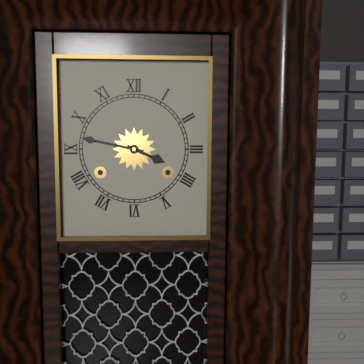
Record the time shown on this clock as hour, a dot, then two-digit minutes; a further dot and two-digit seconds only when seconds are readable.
3.47
